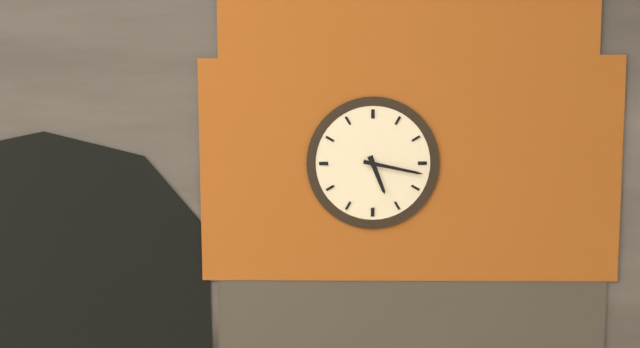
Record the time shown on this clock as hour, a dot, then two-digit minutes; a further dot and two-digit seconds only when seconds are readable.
5.17
